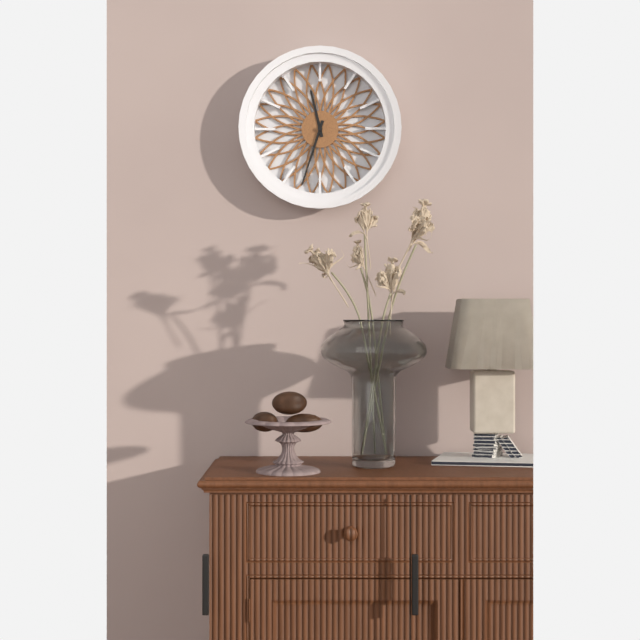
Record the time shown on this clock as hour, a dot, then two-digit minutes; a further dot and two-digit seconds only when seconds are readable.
11.33
